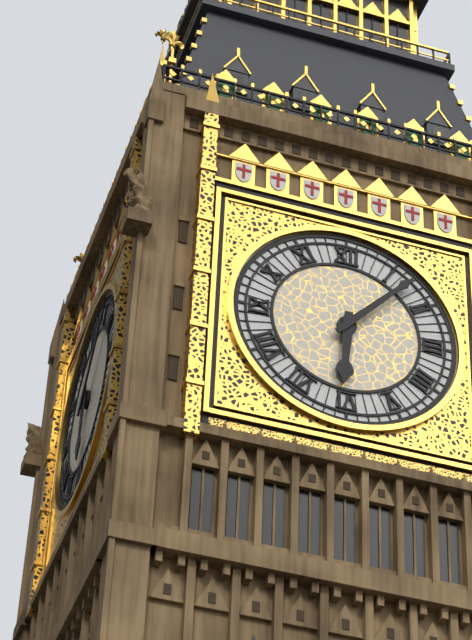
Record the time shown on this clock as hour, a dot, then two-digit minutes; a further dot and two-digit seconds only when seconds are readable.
6.07
